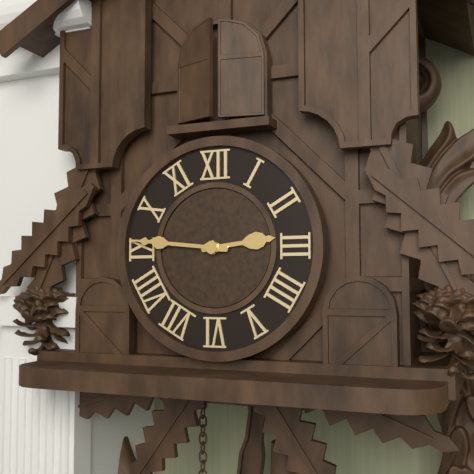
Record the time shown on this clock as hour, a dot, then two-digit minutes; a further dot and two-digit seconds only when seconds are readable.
2.46
